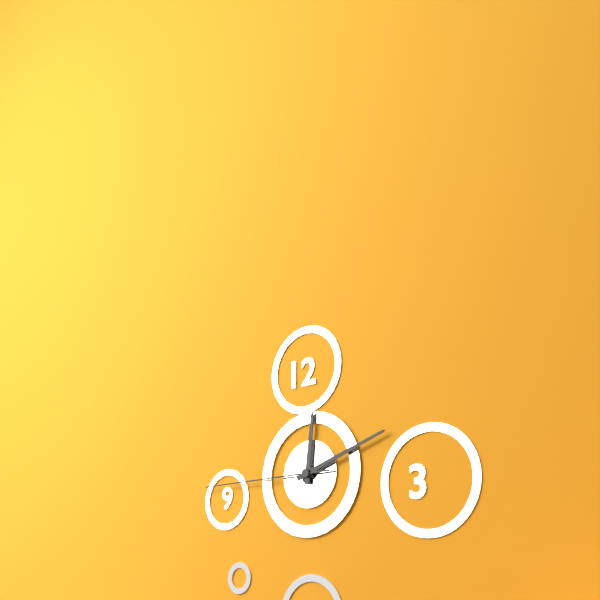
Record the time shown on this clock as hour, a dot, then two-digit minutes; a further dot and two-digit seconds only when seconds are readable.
12.12.45
